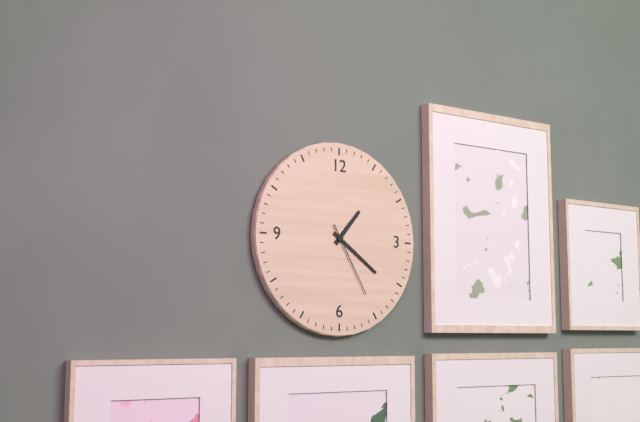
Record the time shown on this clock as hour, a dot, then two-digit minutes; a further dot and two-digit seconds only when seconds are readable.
1.21.25
